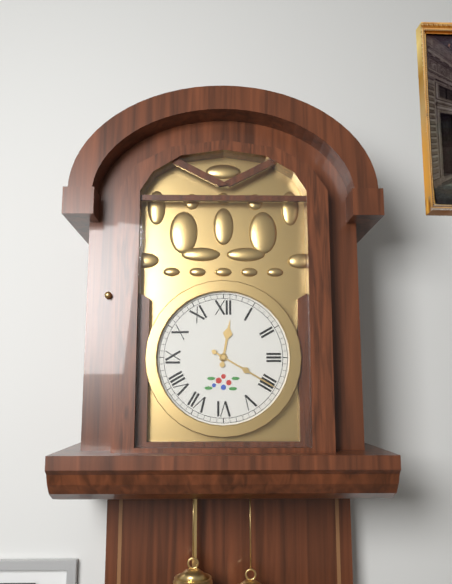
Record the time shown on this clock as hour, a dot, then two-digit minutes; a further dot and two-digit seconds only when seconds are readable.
12.20
